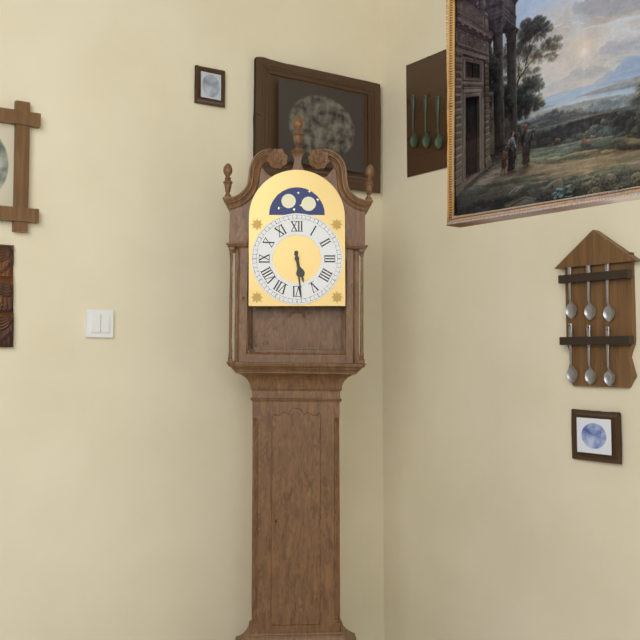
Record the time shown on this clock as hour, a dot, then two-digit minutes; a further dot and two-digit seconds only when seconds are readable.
5.29
